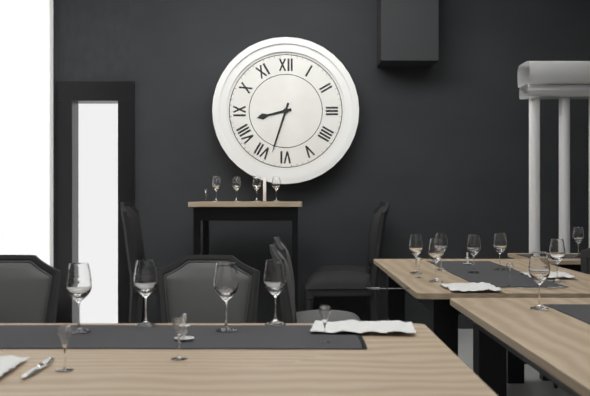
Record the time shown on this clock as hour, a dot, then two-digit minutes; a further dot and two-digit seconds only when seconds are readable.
8.33
